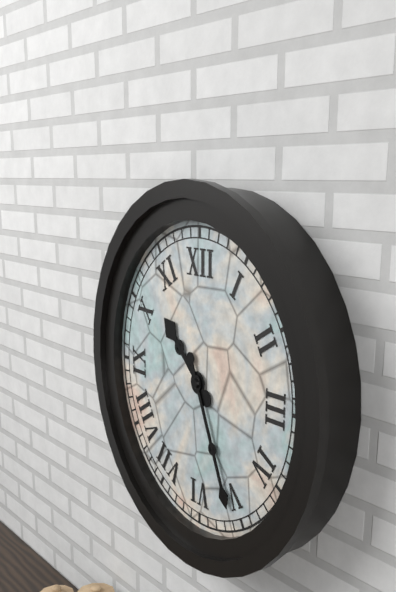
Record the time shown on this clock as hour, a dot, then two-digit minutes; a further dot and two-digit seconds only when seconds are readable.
10.26
